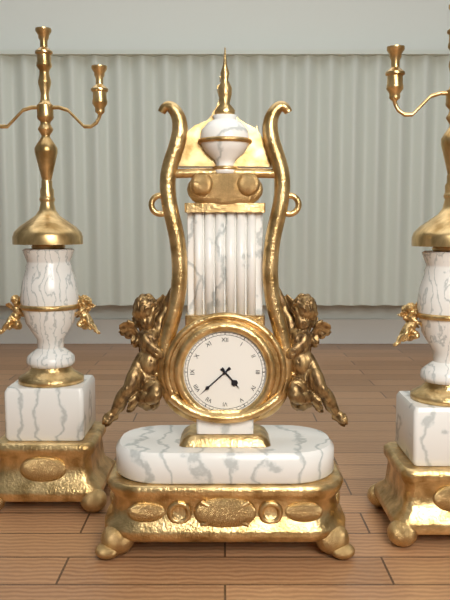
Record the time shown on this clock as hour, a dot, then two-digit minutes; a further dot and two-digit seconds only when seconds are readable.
4.38
